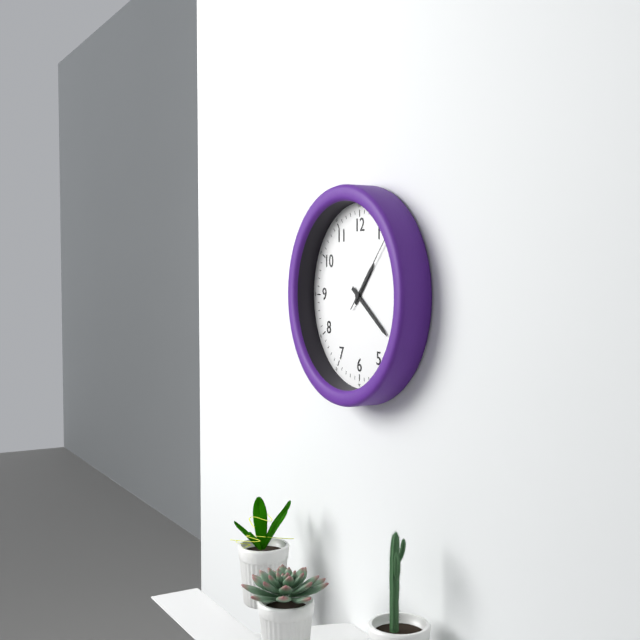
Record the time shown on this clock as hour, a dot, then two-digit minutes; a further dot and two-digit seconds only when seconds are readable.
1.21.07
